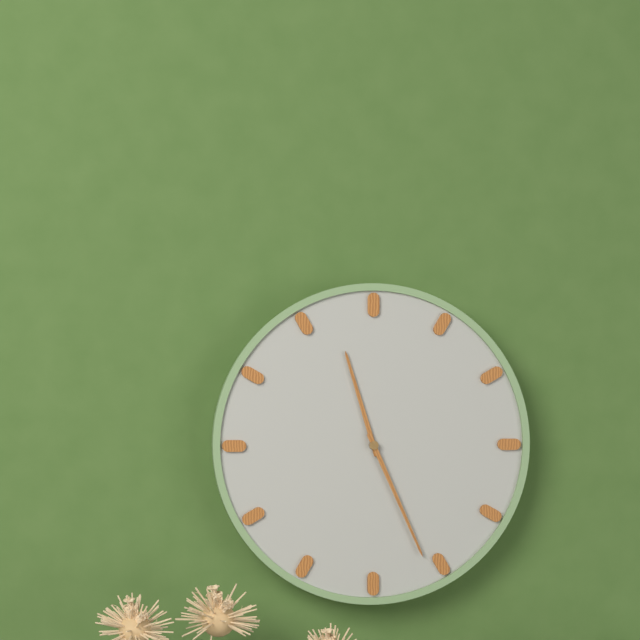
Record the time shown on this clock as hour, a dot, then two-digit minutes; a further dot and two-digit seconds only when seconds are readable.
11.26
